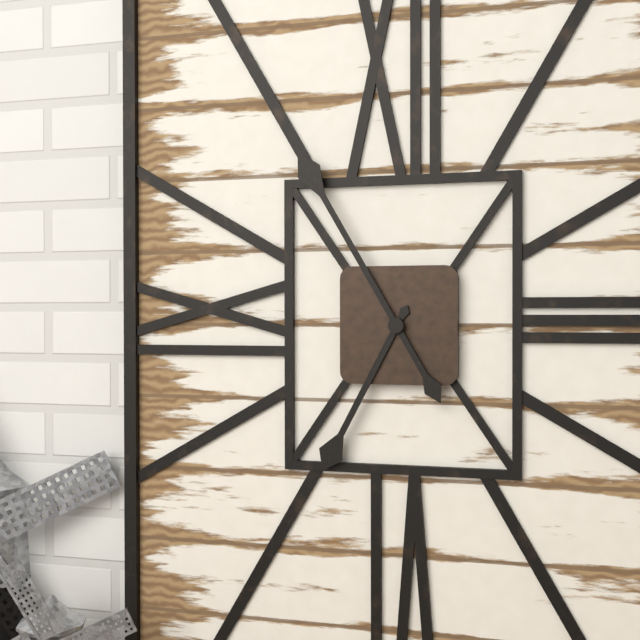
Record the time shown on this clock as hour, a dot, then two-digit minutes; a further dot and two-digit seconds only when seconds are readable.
6.55
